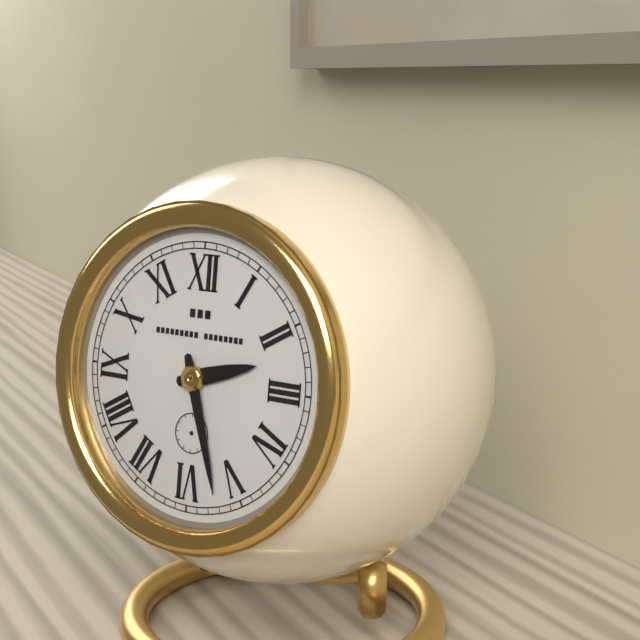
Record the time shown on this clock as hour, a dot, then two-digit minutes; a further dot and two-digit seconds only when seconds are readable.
2.27
